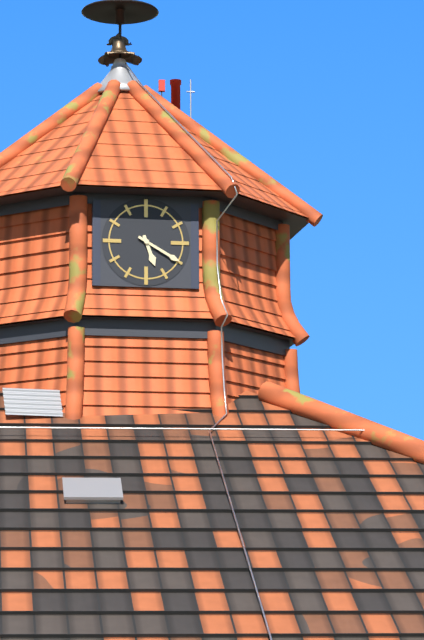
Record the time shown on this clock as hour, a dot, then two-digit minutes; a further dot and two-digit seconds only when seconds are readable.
5.20
